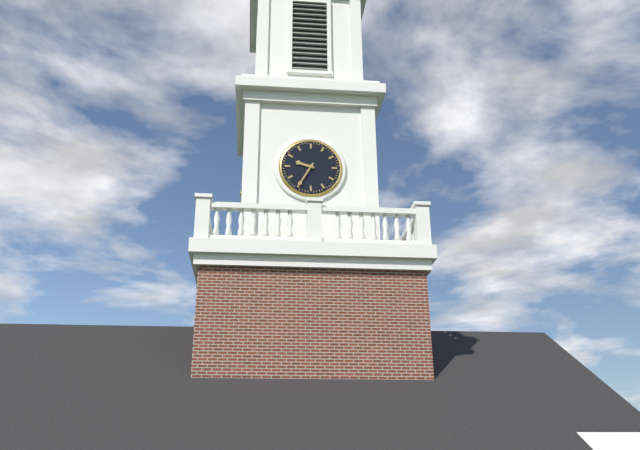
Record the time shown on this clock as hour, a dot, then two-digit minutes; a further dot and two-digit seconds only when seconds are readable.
9.35
